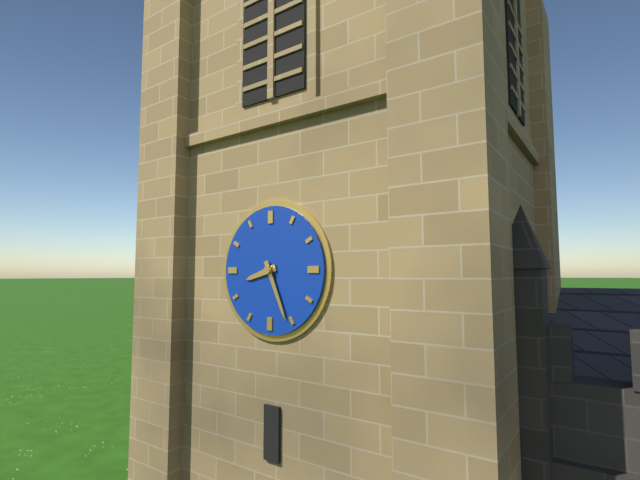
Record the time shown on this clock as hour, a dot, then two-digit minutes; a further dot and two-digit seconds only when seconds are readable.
8.26
